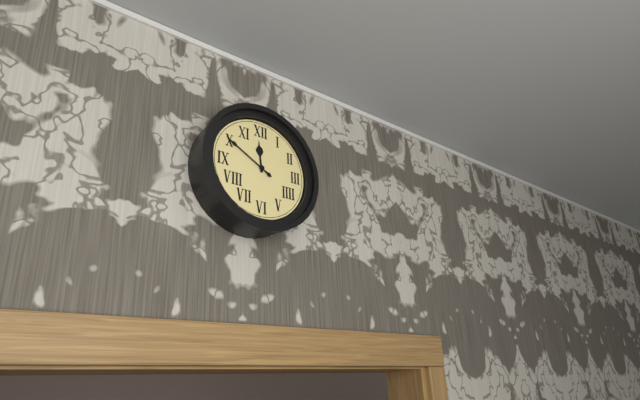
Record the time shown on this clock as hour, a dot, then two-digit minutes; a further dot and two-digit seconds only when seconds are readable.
11.50
